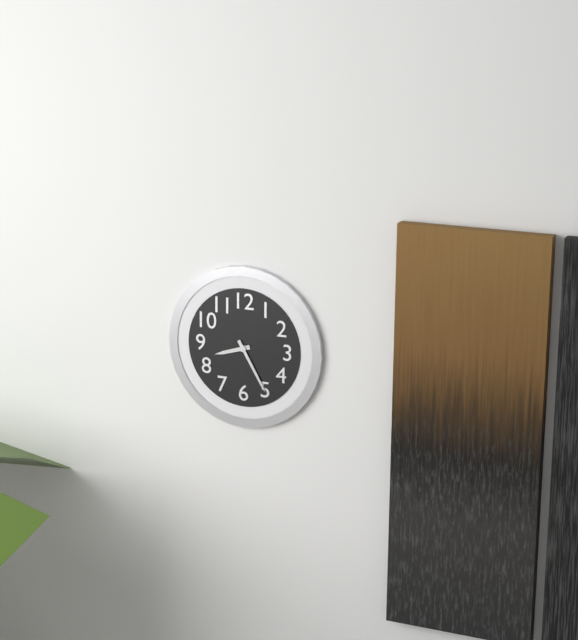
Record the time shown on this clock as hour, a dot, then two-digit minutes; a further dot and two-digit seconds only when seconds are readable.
8.25
